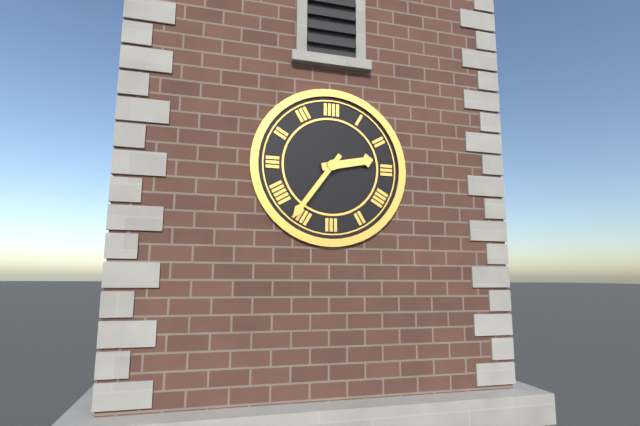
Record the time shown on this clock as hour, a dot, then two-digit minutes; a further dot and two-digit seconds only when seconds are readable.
2.36
